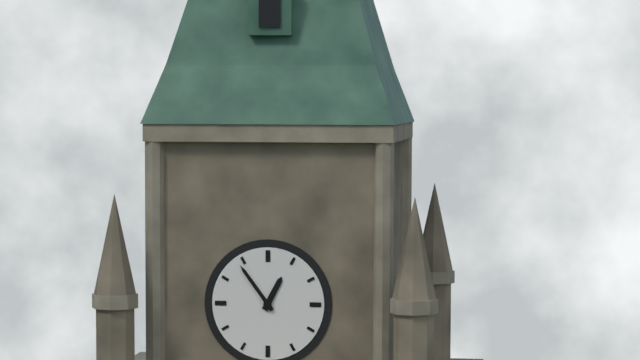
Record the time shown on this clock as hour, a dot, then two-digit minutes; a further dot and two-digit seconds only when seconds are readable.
12.54
